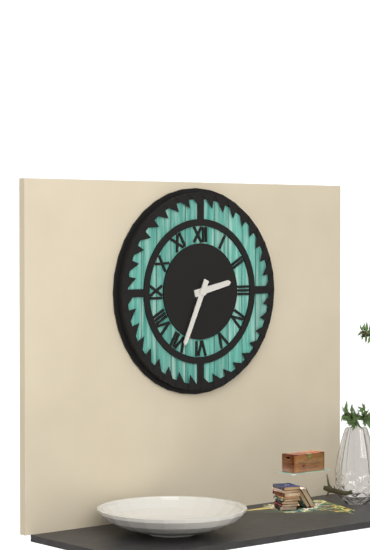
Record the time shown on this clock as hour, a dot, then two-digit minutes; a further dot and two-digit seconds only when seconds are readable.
2.34
